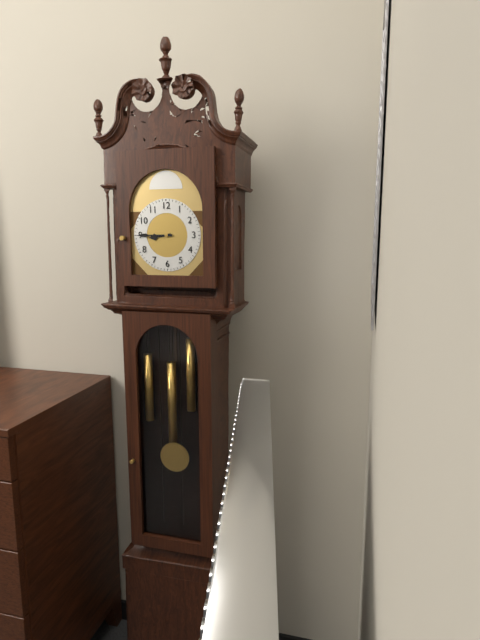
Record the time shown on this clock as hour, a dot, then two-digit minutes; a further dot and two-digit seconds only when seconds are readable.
8.45
